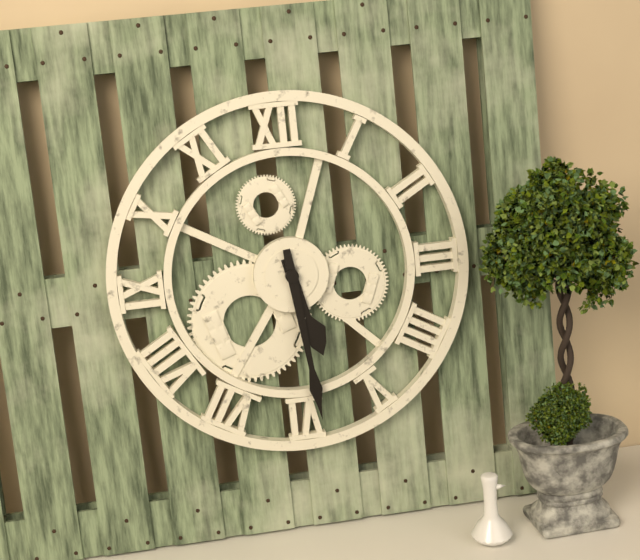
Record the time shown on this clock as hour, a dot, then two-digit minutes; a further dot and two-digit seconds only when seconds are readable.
5.29
